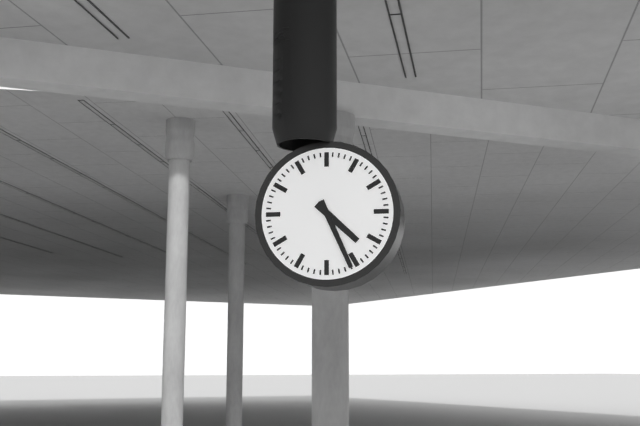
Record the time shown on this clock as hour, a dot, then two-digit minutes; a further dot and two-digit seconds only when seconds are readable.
4.26
